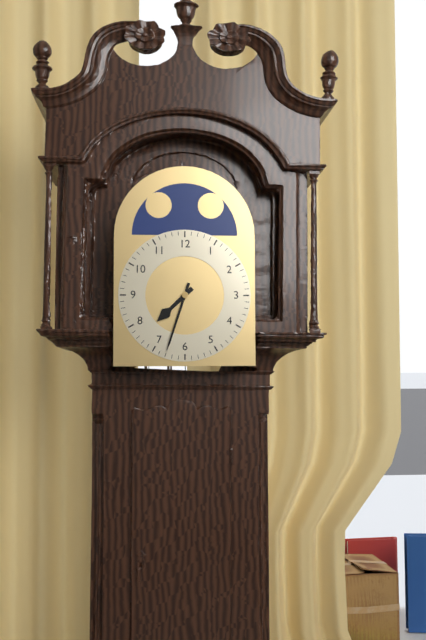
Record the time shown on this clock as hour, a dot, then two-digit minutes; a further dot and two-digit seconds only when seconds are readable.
7.33
